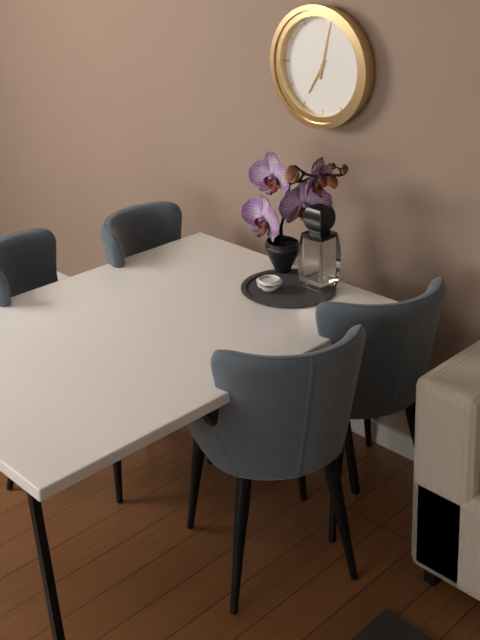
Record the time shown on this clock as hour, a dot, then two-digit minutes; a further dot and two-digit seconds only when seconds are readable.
7.02
